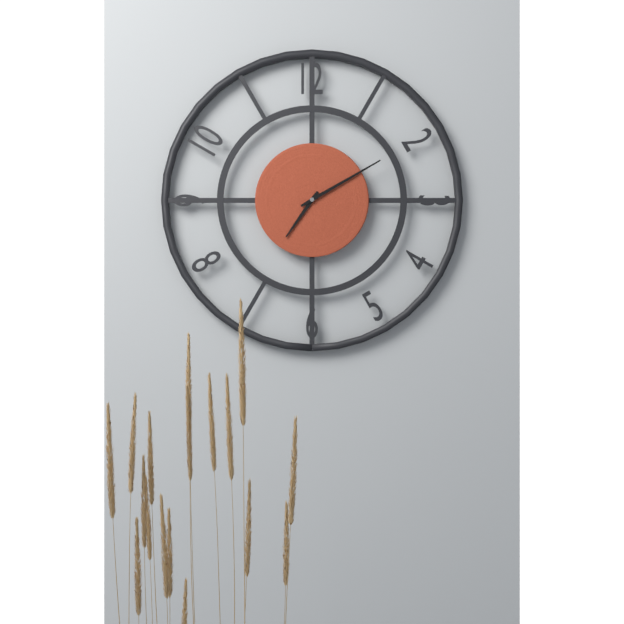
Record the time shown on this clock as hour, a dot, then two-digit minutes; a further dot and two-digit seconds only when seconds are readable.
7.10
